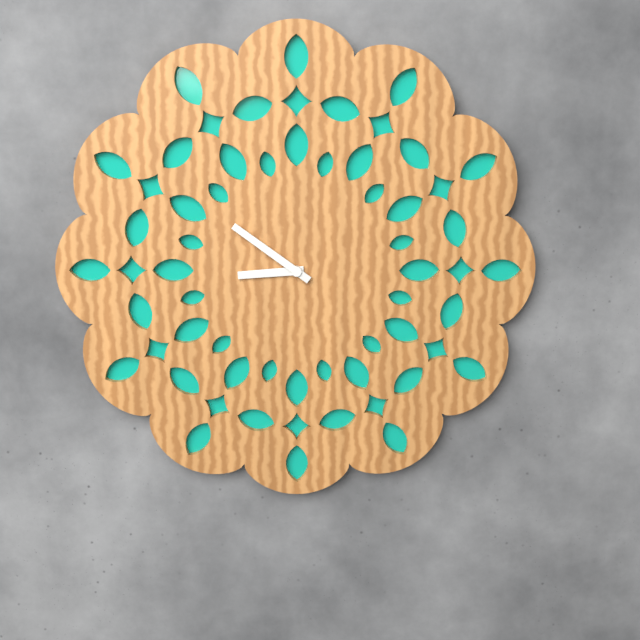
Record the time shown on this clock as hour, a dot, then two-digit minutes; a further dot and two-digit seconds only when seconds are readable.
8.51
